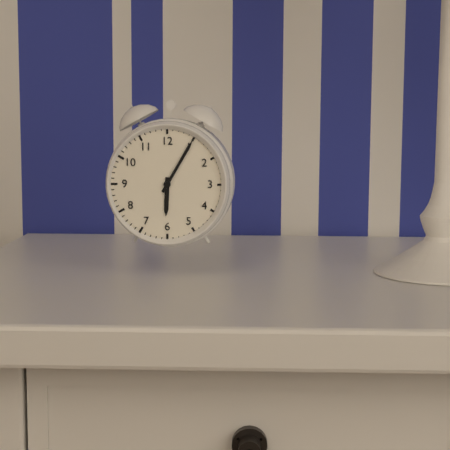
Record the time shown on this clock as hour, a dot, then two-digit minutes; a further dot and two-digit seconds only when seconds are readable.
6.05
